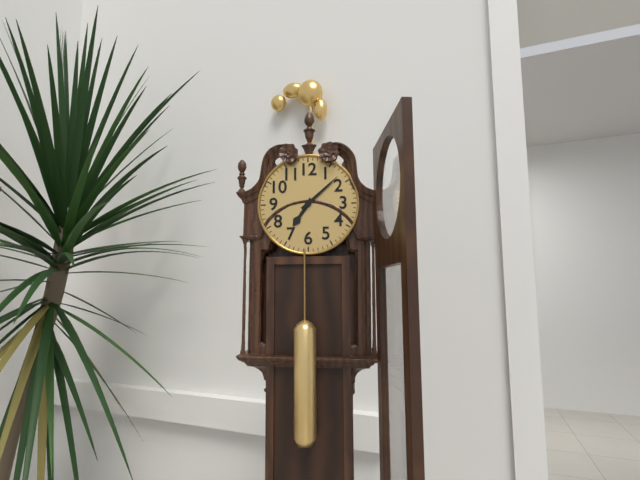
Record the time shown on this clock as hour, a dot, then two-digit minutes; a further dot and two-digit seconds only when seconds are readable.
7.08
